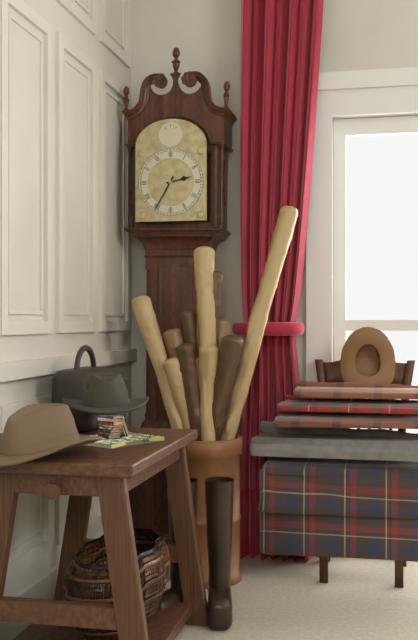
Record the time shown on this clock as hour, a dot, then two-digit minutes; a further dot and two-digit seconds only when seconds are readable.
2.35
